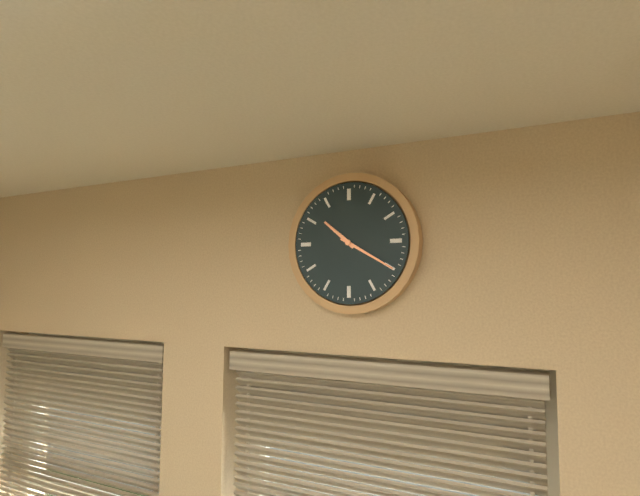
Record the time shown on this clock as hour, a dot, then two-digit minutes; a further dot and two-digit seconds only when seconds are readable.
10.20
